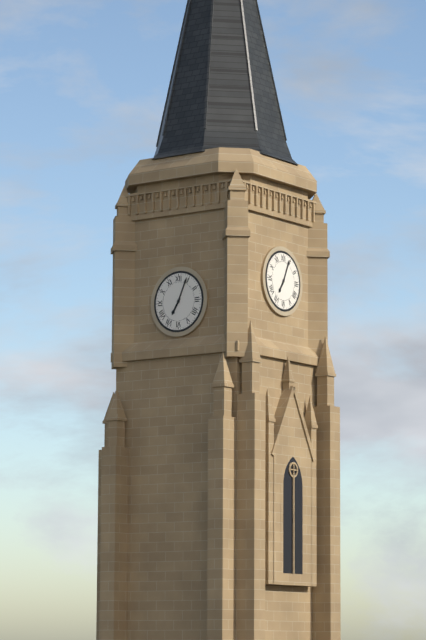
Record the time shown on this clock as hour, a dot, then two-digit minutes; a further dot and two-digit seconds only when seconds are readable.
7.04
